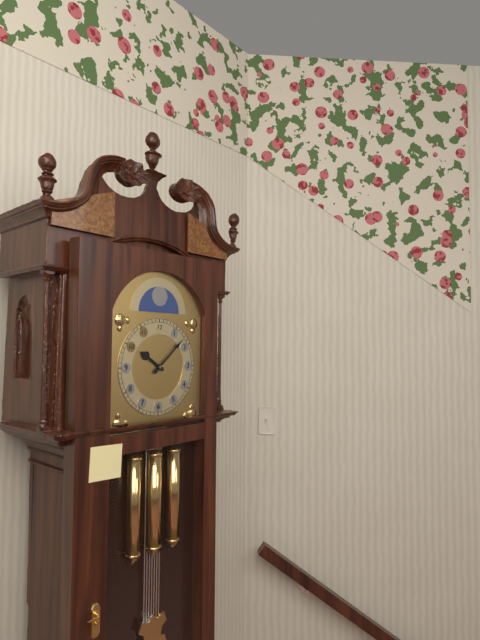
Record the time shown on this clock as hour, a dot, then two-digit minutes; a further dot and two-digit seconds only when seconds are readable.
10.08
